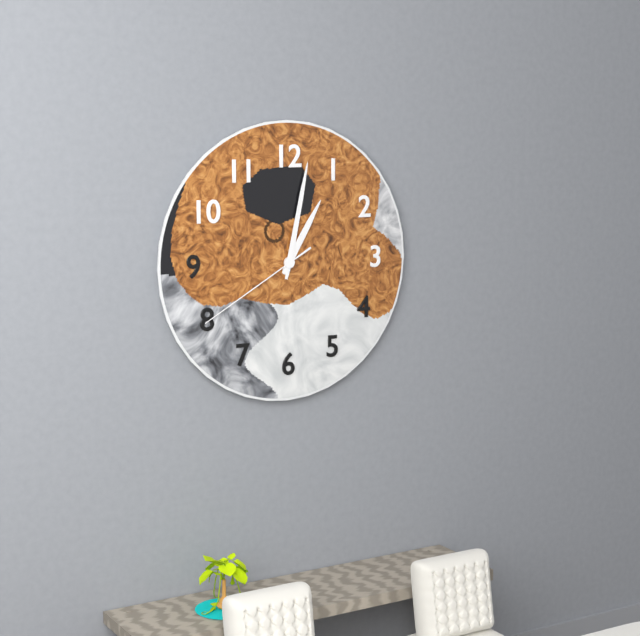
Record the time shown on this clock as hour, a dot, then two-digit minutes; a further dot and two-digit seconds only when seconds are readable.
1.02.40
